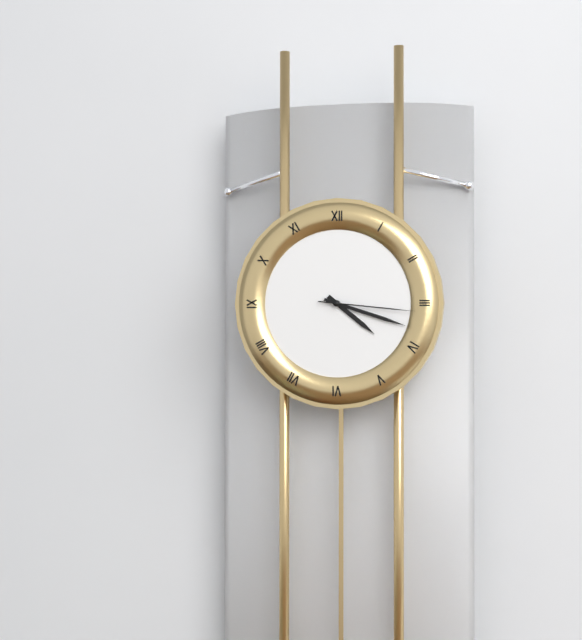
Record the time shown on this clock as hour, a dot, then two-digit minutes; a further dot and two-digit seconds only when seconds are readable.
4.18.16
